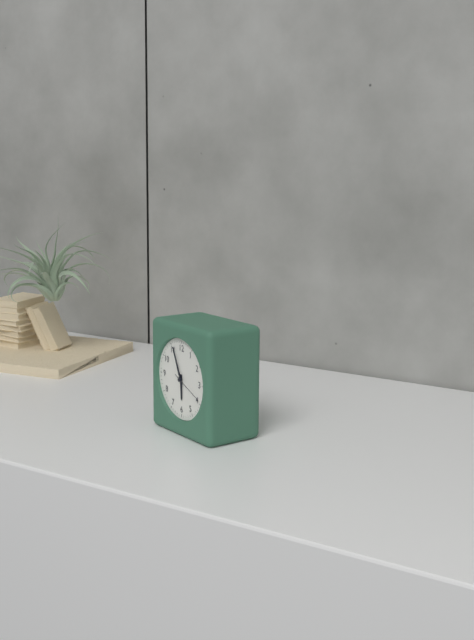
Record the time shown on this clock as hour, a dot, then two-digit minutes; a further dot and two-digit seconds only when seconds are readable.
5.56
